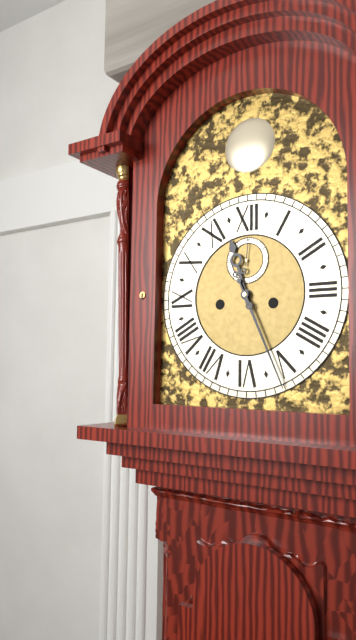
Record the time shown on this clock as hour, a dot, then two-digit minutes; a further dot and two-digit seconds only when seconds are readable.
11.26
